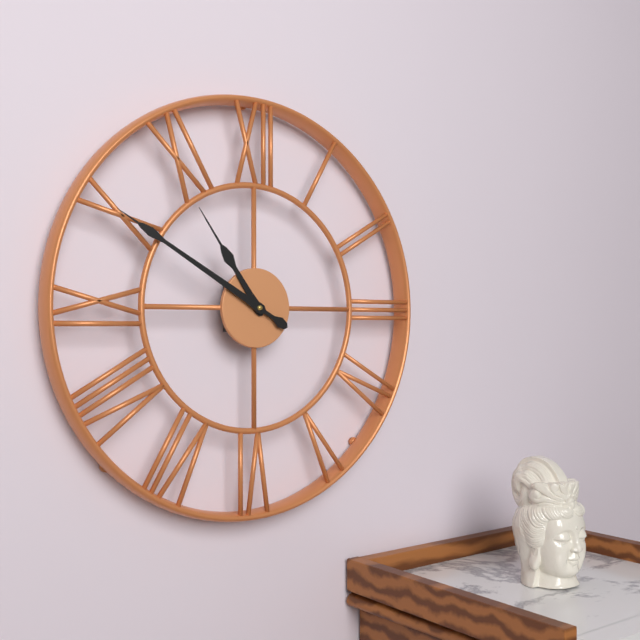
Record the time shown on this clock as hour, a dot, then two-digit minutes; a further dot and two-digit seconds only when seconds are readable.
10.50
